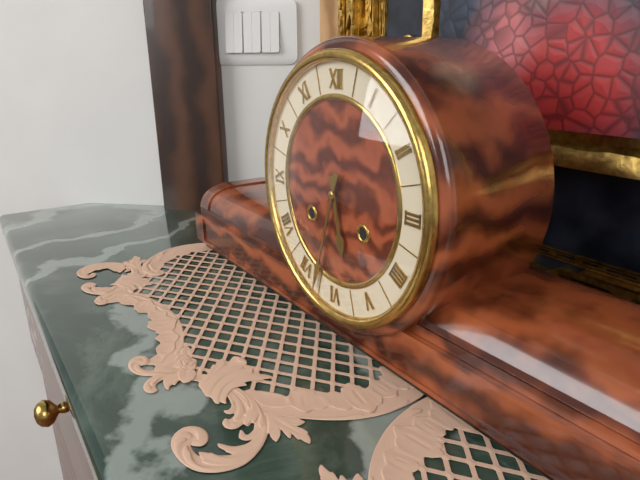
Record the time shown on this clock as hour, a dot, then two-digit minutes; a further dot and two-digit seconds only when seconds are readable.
5.33
